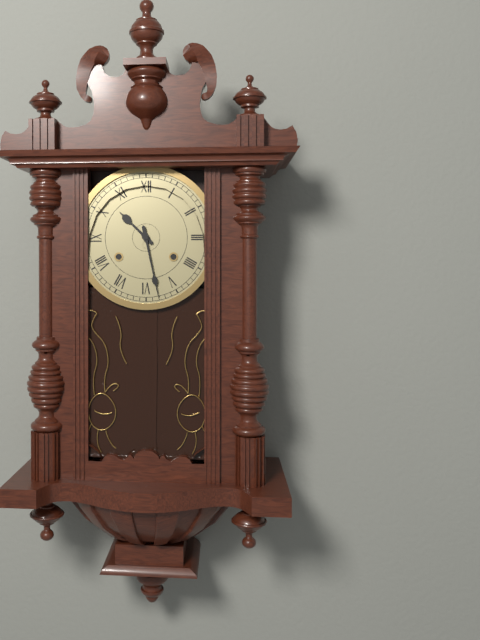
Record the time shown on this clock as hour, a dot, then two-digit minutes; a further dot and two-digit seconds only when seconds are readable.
10.28
